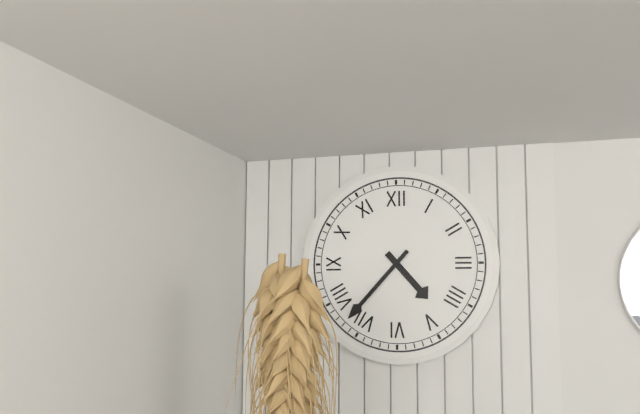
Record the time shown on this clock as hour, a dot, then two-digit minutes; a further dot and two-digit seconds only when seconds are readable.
4.37
